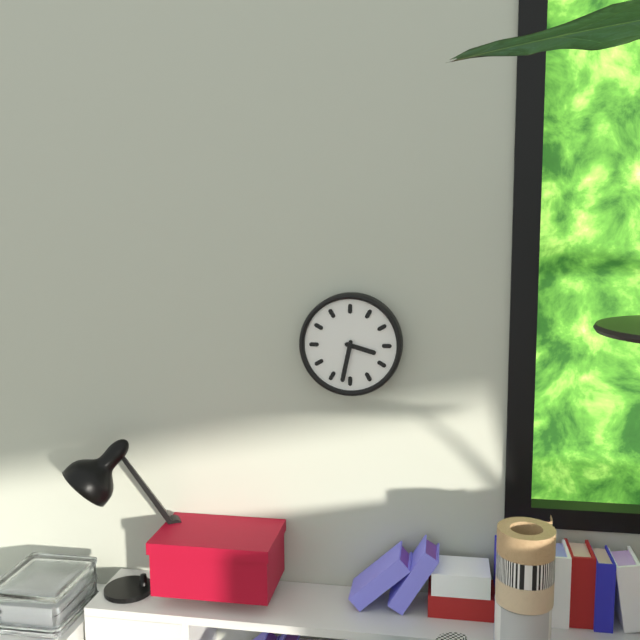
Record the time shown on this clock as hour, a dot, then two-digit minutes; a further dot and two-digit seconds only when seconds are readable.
3.32
